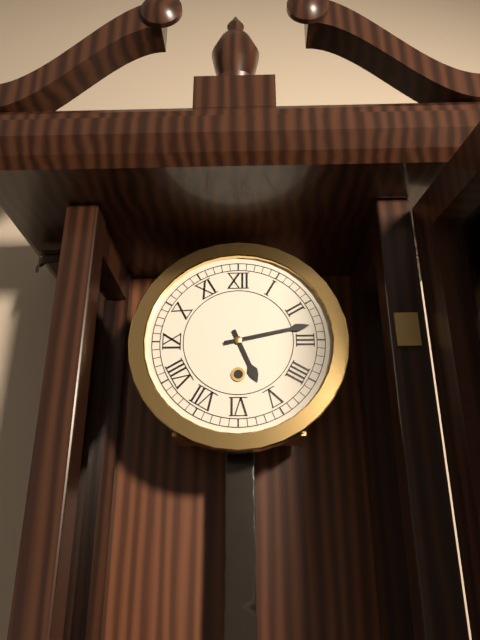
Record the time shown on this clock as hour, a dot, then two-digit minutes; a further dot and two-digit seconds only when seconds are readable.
5.13
